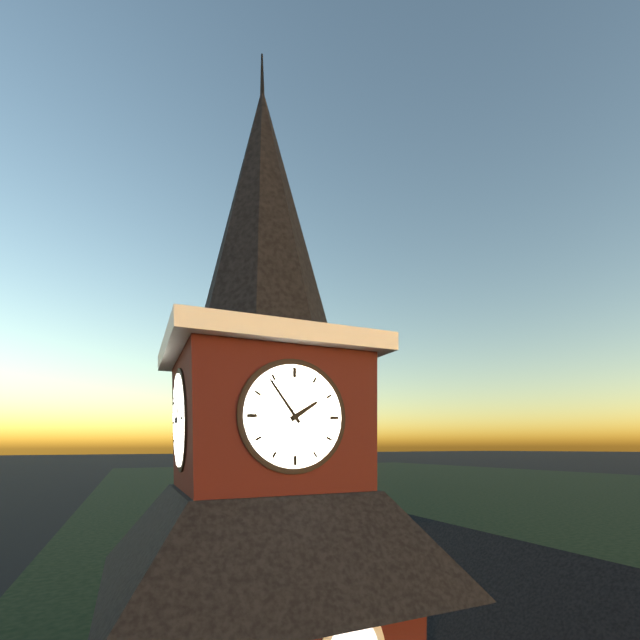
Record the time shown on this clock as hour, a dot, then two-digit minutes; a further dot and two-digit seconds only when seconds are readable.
1.54
